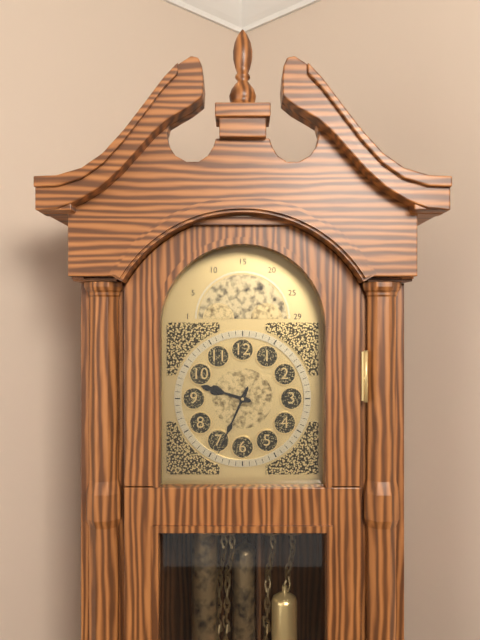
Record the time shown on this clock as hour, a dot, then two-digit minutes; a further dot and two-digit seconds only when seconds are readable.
9.34
